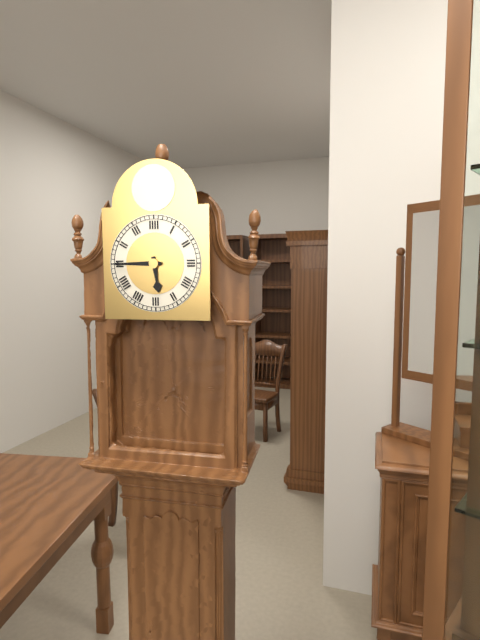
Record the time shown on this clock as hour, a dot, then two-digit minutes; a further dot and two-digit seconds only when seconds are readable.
5.45
